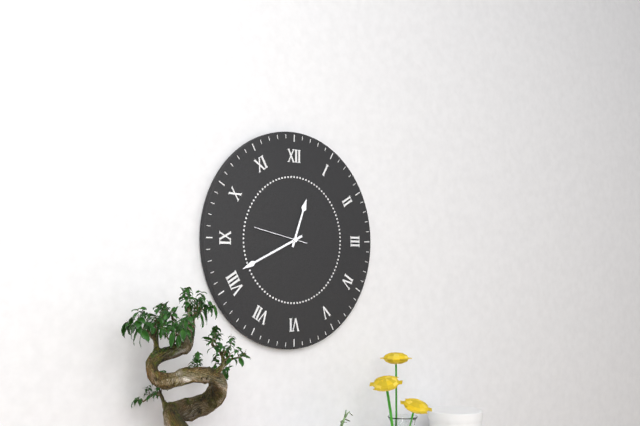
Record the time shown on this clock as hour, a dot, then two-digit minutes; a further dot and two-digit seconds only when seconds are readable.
12.41
